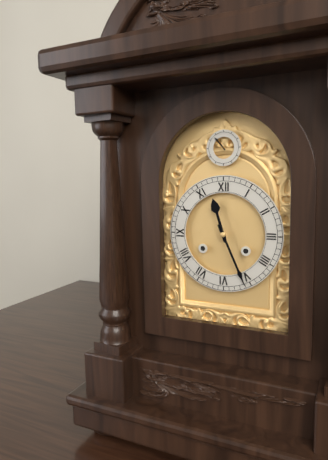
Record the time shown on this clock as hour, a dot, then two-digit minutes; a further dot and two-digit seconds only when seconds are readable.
11.26
